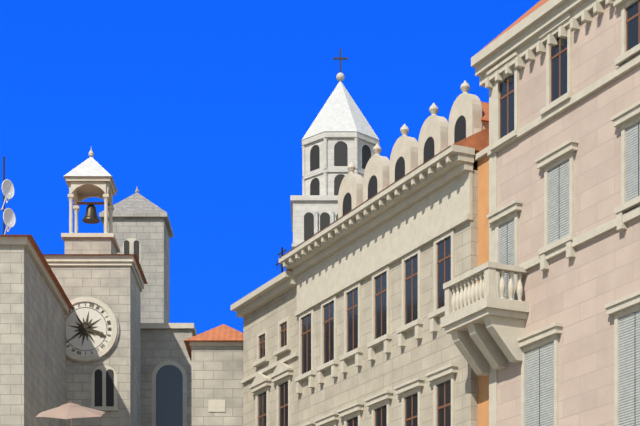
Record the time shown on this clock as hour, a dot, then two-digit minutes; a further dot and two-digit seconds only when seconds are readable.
3.39
